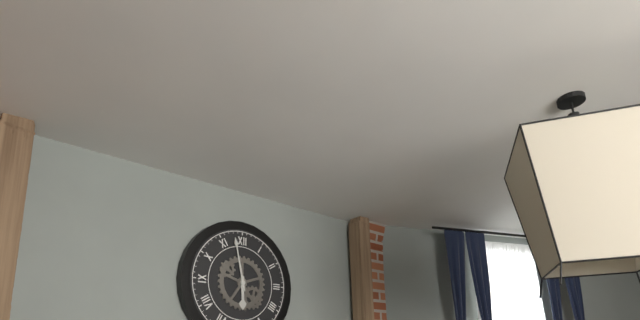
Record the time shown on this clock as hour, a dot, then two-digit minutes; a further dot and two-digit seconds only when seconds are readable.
5.58
